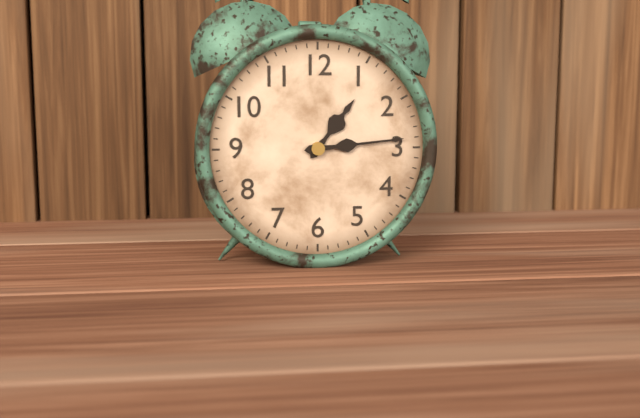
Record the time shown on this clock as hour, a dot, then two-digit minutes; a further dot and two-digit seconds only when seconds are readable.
1.14
